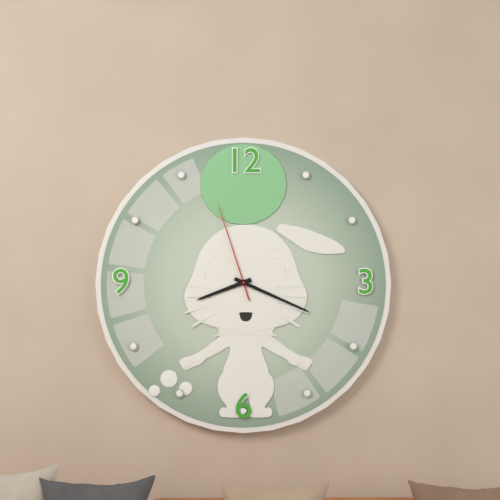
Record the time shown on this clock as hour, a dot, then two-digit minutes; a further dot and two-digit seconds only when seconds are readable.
8.19.57
